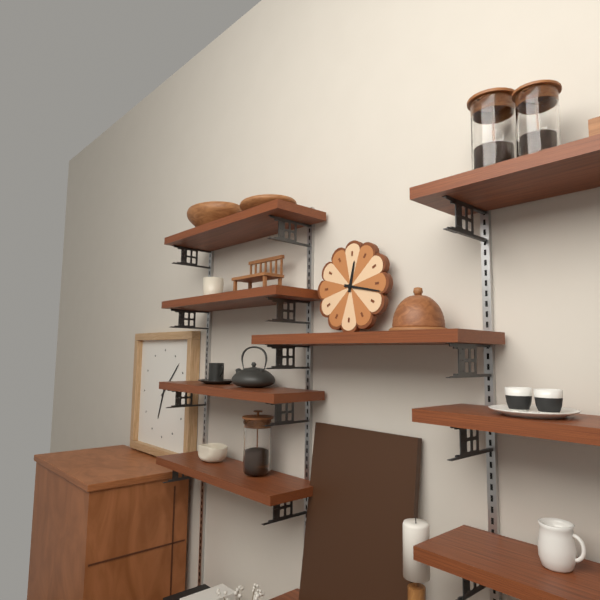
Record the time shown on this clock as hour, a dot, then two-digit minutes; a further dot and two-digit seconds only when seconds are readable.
12.17
